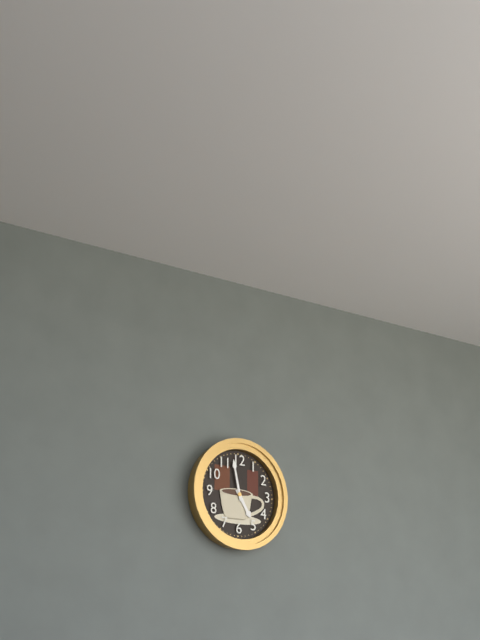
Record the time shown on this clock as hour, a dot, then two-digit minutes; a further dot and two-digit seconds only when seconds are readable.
4.58
